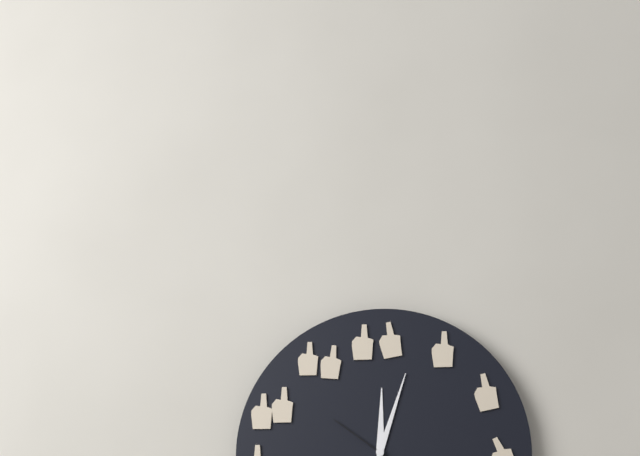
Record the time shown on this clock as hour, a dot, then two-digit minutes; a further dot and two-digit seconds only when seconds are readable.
12.03.51
